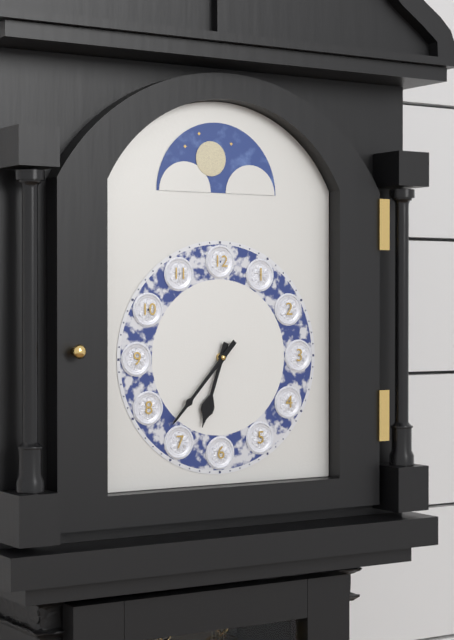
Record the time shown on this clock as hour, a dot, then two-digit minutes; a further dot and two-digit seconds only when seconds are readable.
6.37
